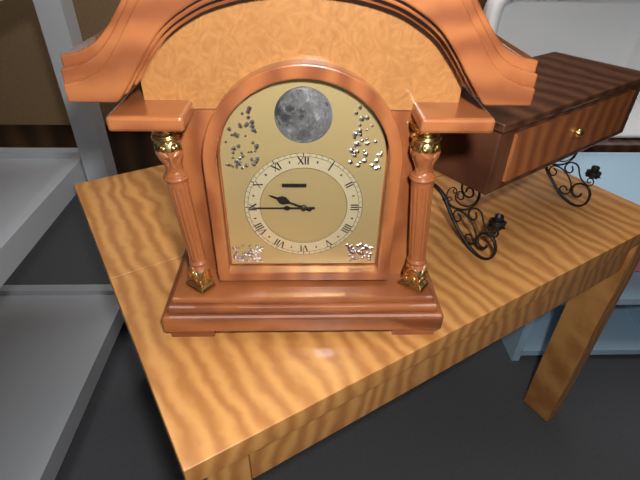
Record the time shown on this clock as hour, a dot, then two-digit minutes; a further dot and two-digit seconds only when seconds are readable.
9.45
